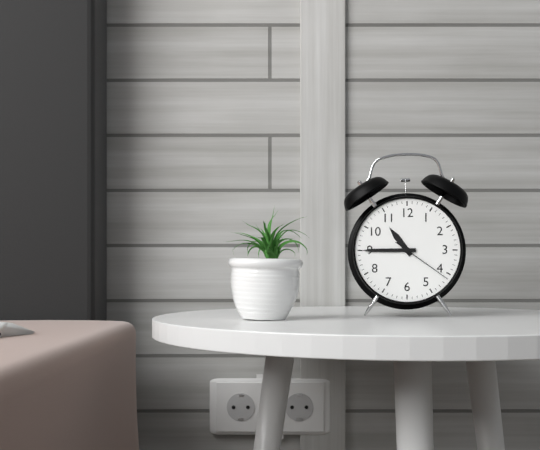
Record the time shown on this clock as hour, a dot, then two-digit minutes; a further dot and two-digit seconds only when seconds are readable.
10.45.21
